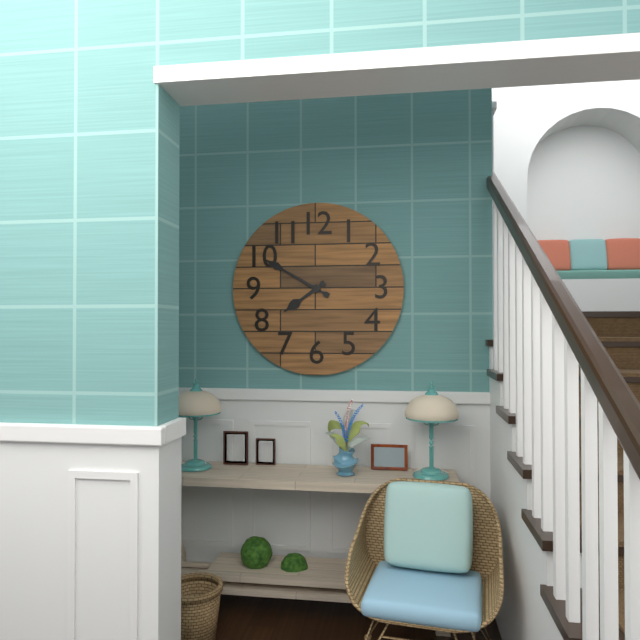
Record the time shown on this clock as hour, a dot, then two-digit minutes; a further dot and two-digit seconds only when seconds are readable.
7.50
